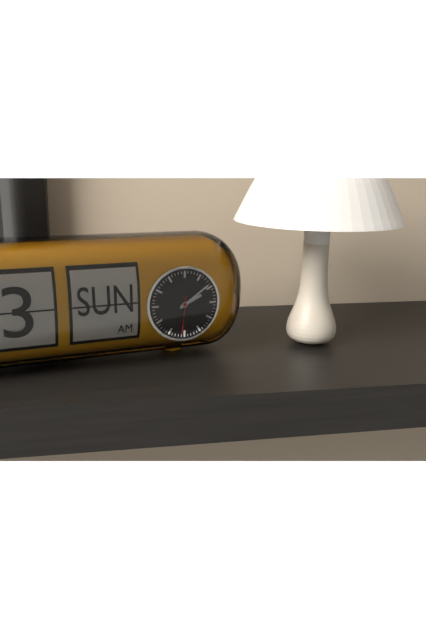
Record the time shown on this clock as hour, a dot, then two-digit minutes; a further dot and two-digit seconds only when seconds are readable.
2.09.31
